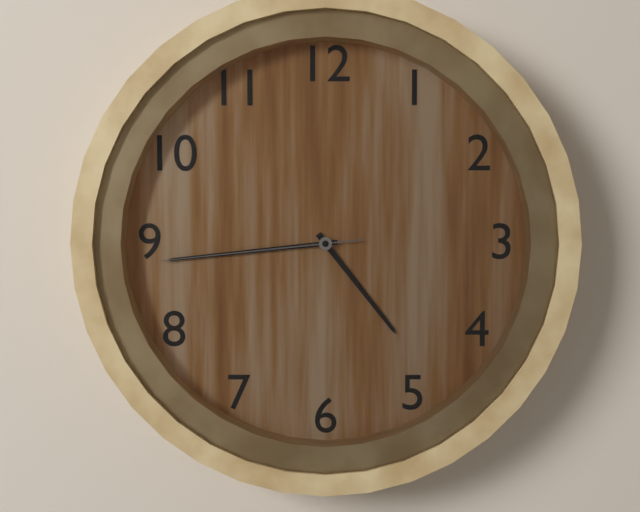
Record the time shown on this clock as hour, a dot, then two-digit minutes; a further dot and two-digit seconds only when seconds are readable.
4.44.44
